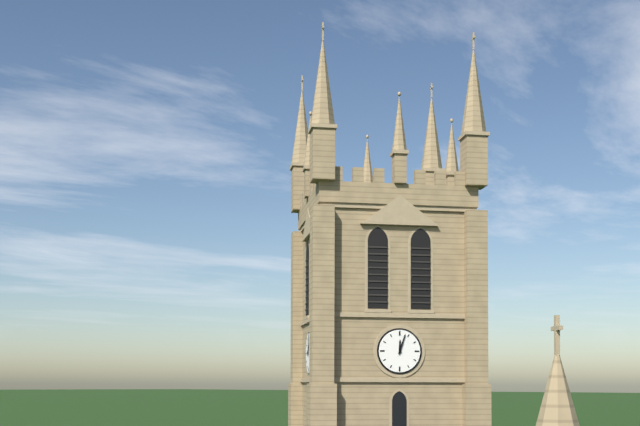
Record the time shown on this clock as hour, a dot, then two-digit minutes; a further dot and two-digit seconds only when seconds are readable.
12.03
